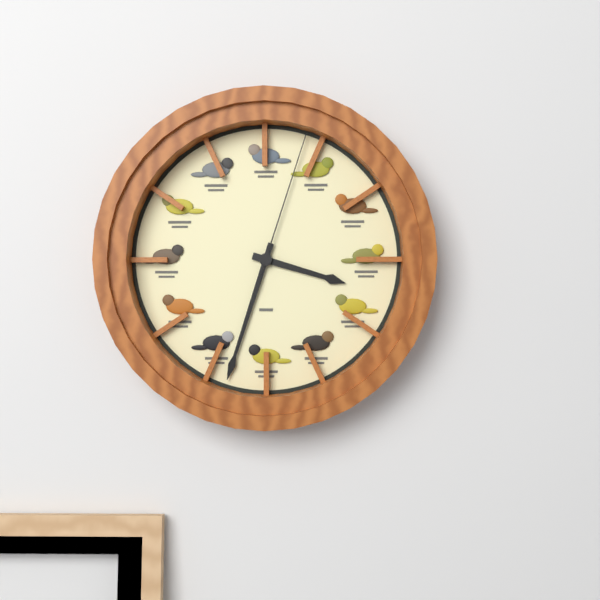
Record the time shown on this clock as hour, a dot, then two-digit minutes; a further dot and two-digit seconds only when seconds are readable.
3.33.03
